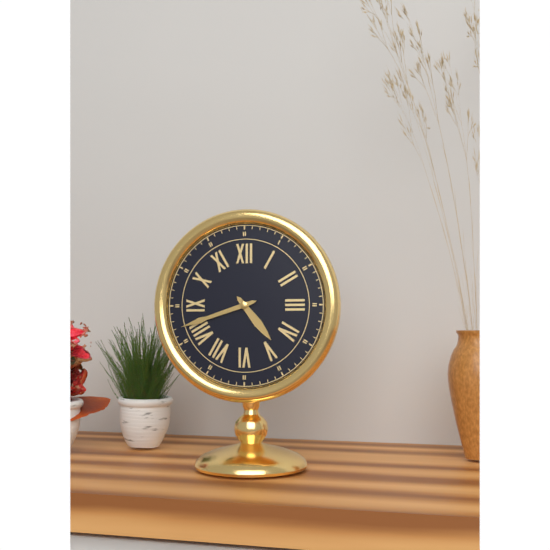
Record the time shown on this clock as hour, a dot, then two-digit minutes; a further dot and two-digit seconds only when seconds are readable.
4.42
